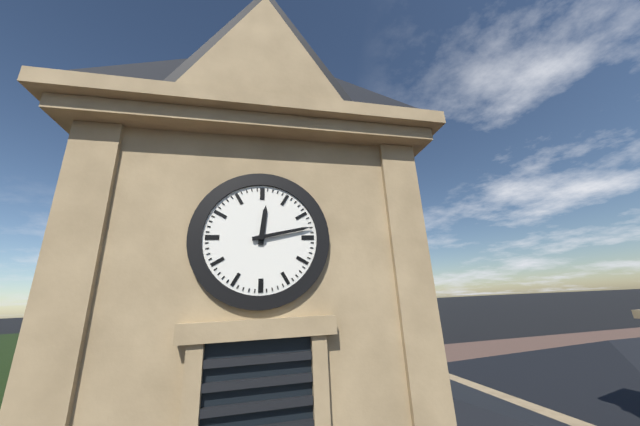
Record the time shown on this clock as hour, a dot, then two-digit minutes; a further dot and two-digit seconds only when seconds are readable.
12.13
